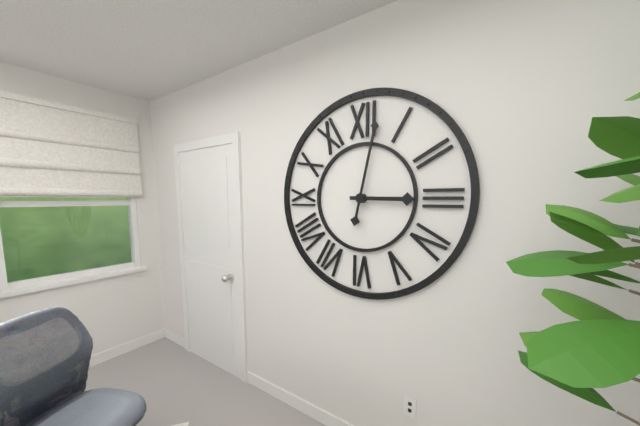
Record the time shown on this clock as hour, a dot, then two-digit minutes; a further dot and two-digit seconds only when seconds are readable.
3.02
